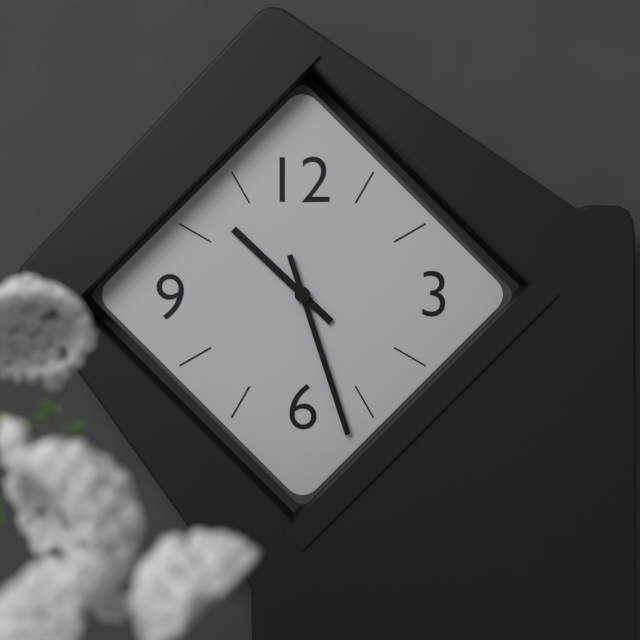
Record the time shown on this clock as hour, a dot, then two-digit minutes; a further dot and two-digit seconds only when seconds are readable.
10.27
